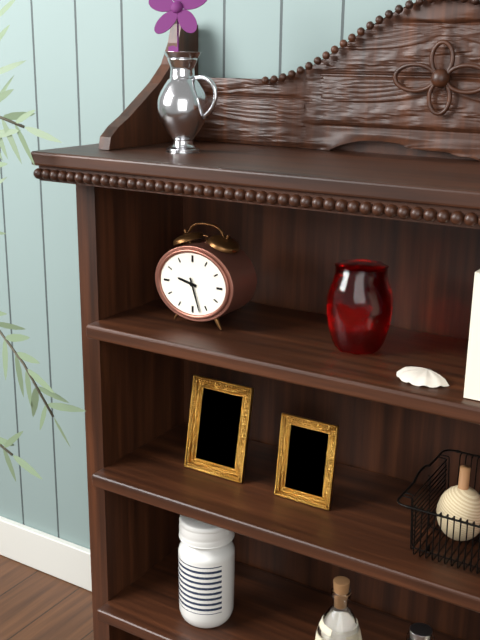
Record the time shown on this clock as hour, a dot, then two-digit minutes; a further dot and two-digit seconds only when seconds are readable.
9.27
